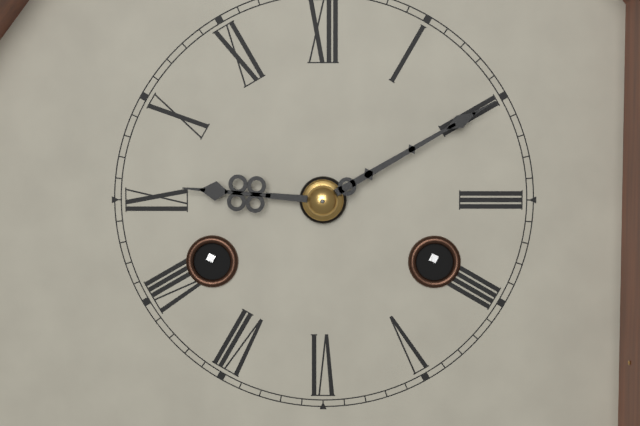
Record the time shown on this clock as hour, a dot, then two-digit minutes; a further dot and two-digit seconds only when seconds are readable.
9.10
